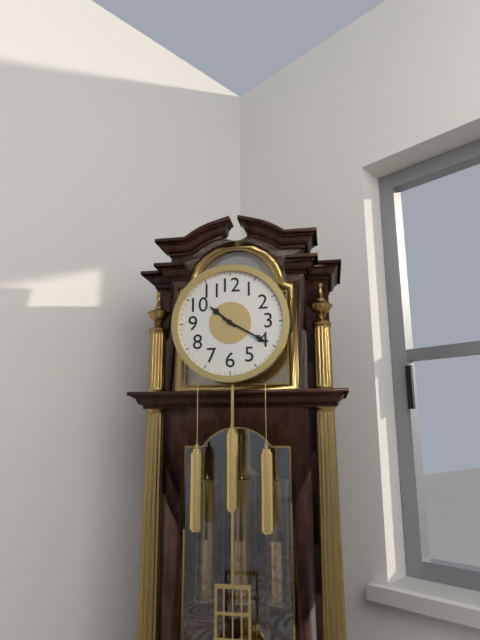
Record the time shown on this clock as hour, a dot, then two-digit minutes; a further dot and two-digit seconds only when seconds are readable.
10.20
